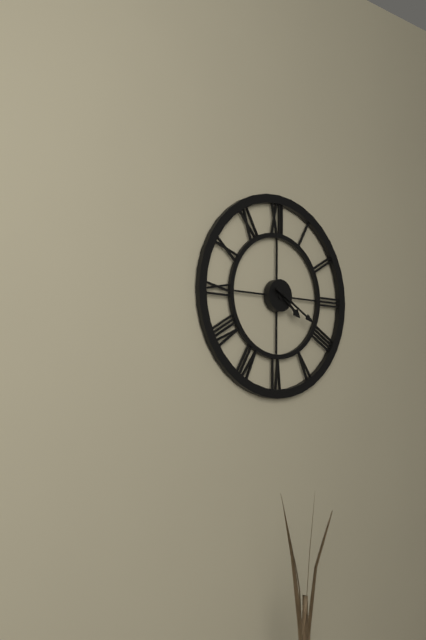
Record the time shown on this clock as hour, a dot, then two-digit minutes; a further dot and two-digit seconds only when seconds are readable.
4.20
